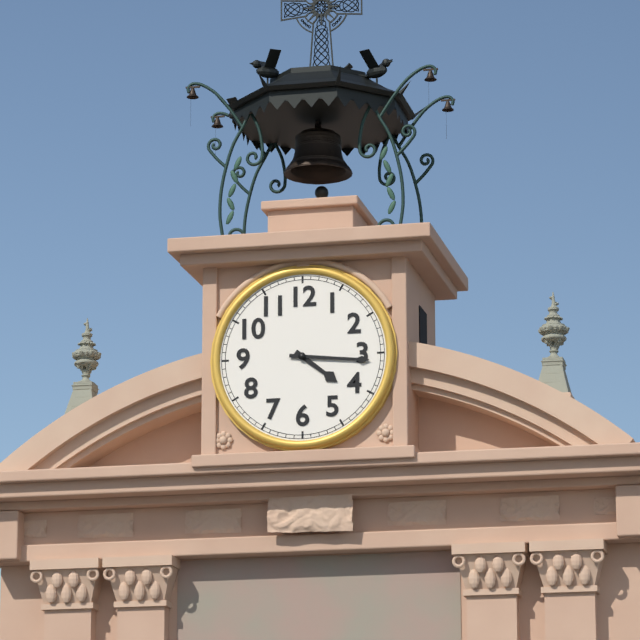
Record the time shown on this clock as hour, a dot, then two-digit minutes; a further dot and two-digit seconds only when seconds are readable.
4.16
